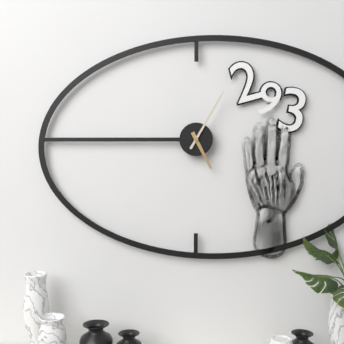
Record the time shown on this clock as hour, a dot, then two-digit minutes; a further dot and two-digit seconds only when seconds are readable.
5.05
